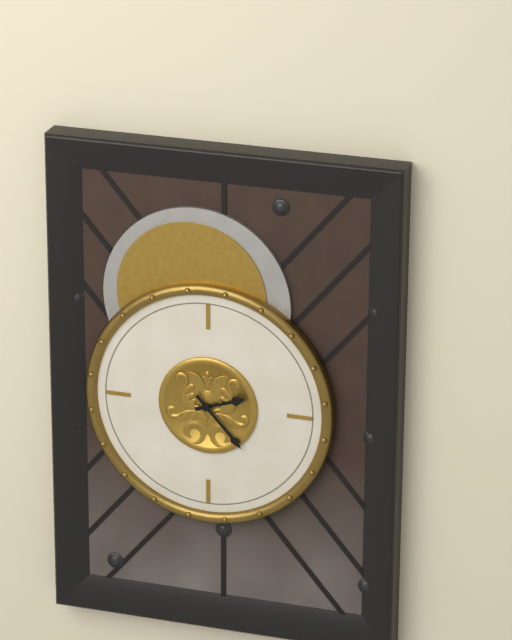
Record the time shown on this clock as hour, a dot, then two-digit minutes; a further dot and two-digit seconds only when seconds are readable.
2.23
